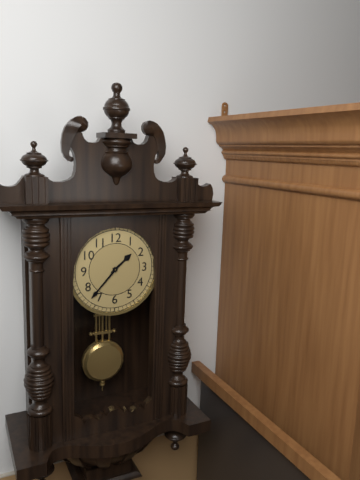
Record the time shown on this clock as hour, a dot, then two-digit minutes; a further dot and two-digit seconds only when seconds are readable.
1.37
